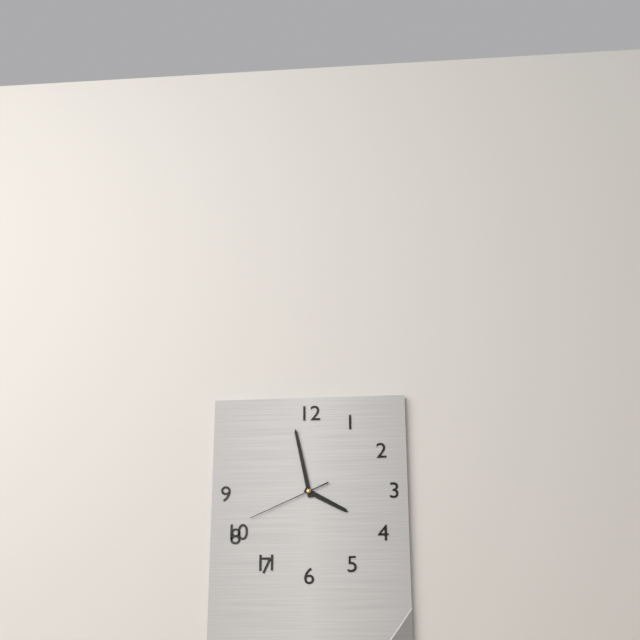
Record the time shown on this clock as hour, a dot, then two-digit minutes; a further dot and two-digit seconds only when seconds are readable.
3.58.41
